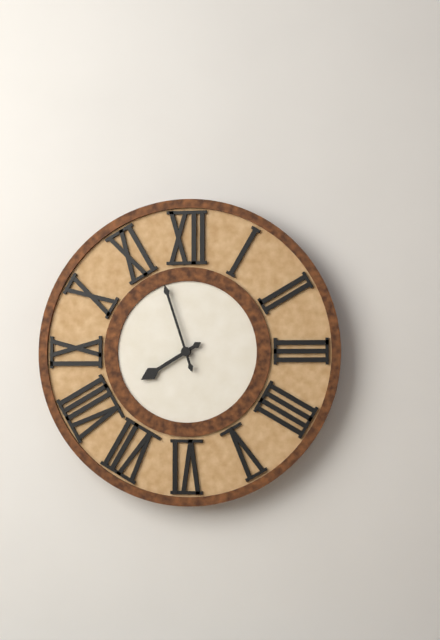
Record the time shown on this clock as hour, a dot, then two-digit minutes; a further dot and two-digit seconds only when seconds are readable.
7.57
